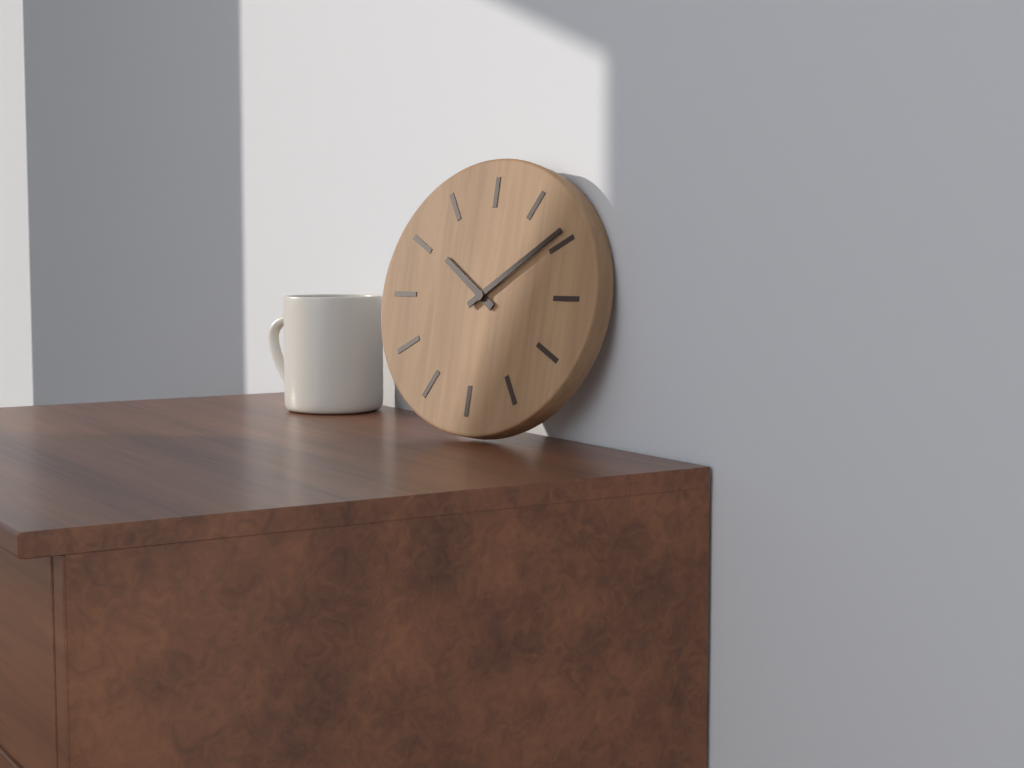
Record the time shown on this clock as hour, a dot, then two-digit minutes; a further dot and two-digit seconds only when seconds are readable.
10.09
